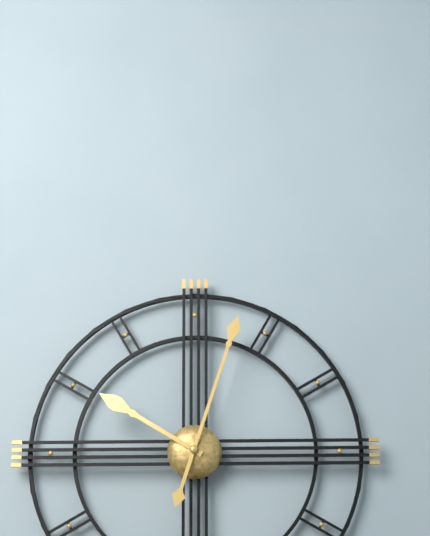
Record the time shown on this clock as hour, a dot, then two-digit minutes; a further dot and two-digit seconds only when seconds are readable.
10.03
